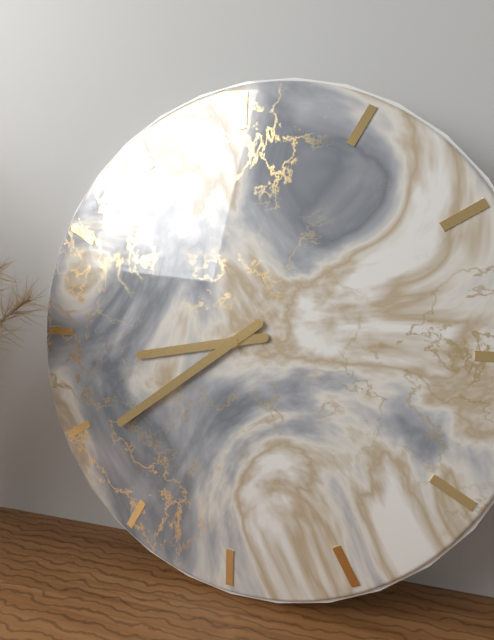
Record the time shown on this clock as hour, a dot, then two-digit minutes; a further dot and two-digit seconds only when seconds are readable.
8.39
